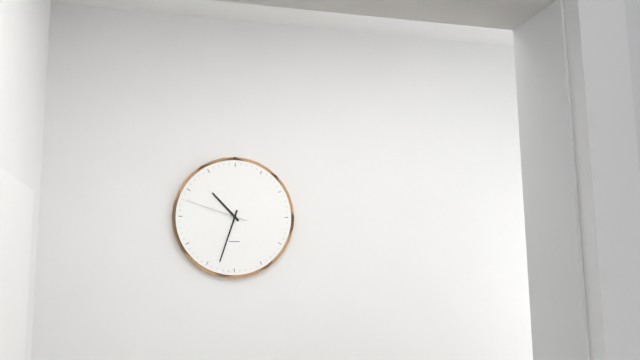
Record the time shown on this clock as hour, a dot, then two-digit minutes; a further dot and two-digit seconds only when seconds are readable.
10.33.48
